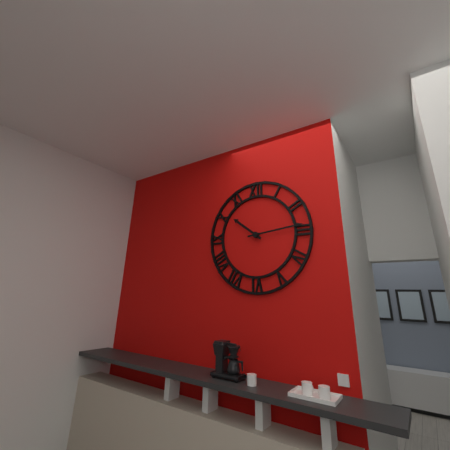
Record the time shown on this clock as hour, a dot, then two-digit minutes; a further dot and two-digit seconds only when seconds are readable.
10.14
